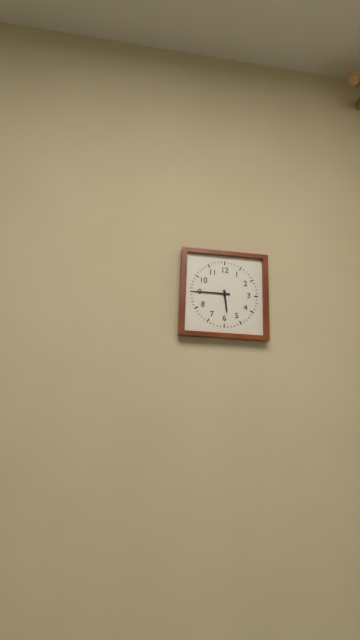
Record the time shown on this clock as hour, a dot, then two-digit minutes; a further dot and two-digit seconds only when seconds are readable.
5.45
